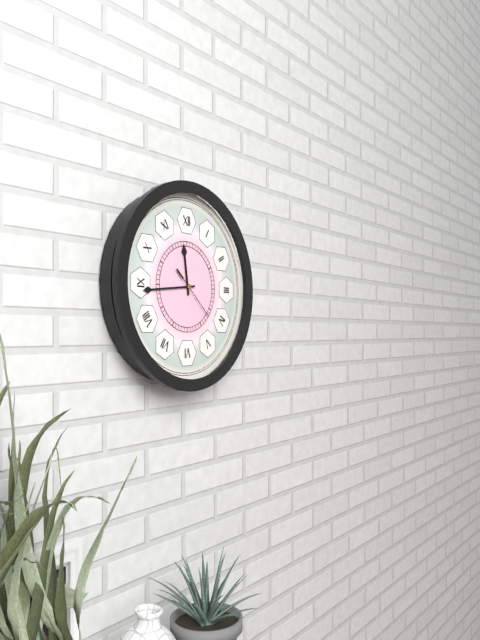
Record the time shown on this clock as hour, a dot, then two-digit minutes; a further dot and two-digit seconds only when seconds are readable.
11.44
